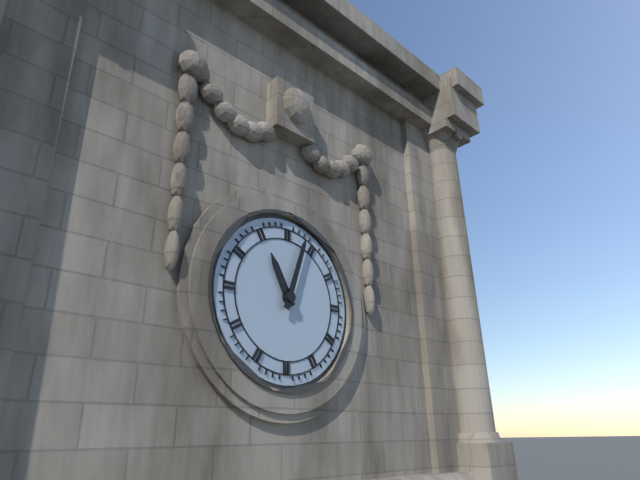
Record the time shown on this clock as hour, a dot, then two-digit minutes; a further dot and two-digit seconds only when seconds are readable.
11.03
